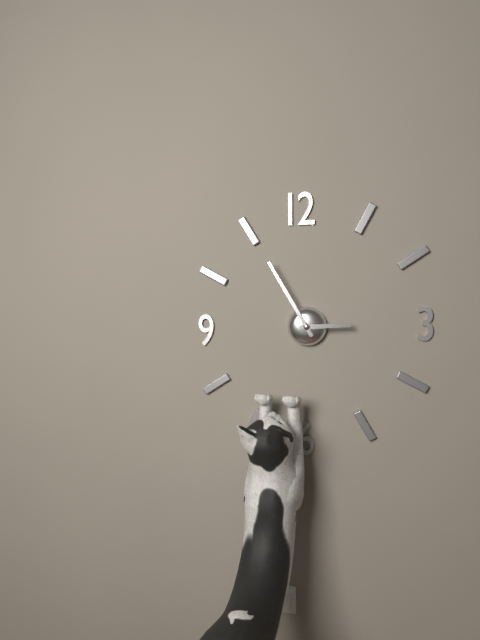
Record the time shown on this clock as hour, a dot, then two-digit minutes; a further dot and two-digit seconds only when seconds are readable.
2.55
